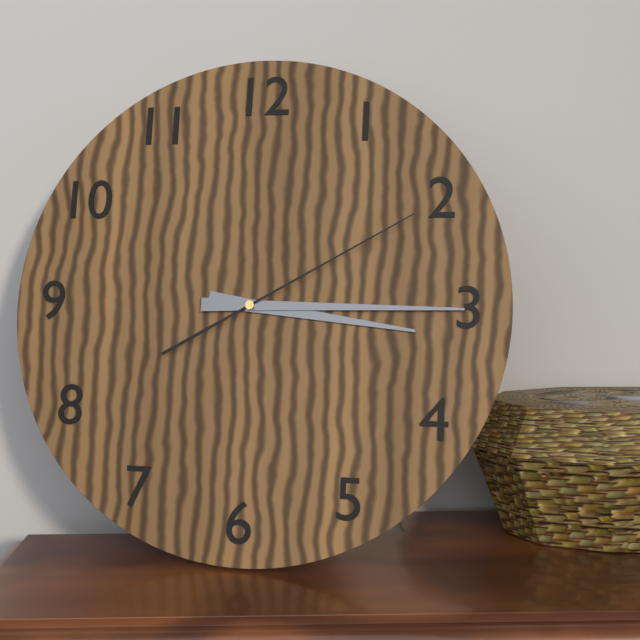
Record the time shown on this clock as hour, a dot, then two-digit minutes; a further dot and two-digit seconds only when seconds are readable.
3.15.10
